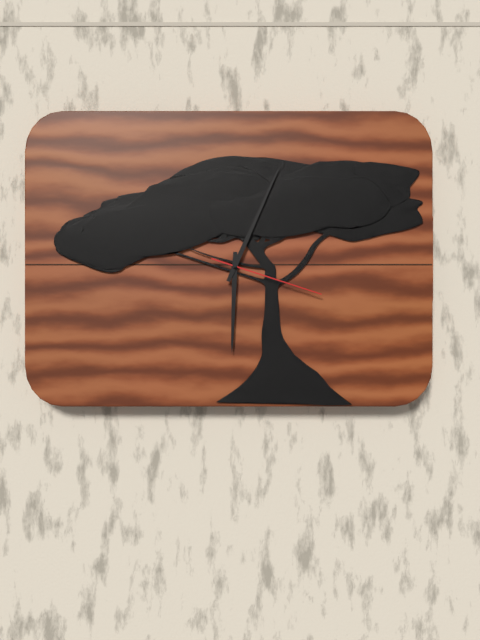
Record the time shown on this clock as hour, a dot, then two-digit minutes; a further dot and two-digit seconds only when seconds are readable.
6.04.18
